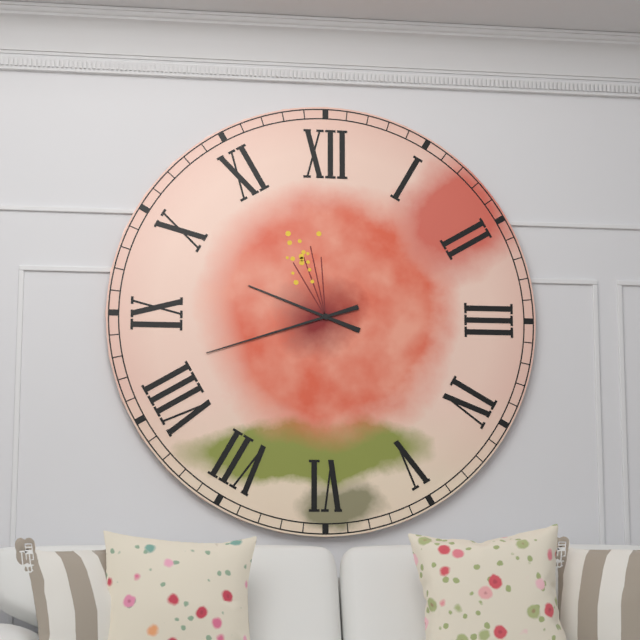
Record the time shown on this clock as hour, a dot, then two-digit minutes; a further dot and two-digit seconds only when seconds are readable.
9.42
